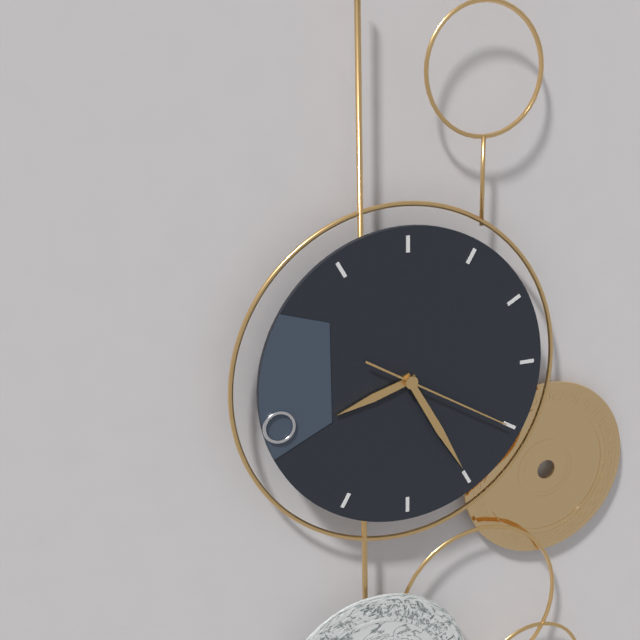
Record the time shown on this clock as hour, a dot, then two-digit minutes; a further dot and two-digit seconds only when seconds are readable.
8.25.20
